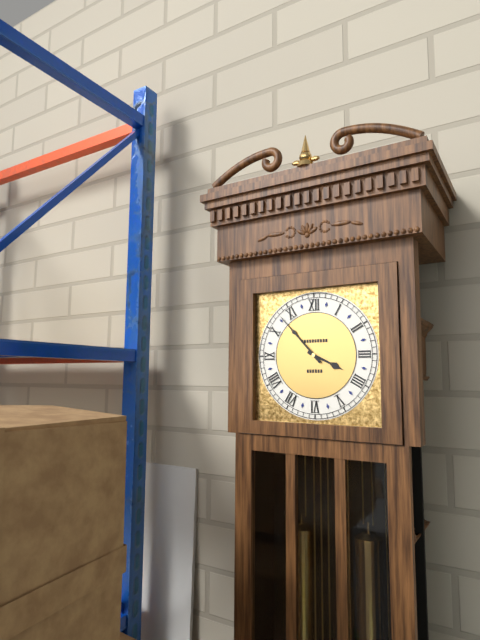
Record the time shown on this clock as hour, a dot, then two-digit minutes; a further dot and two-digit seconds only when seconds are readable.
3.53
